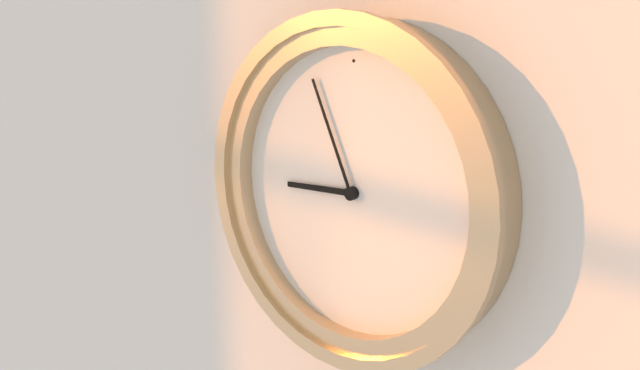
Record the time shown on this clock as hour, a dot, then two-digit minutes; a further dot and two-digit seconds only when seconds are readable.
8.56
